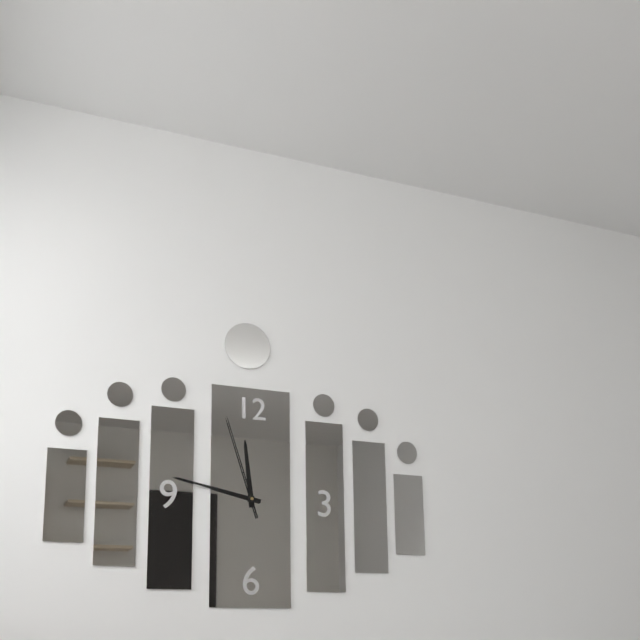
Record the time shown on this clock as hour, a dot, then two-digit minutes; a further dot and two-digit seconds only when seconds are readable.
11.47.57
